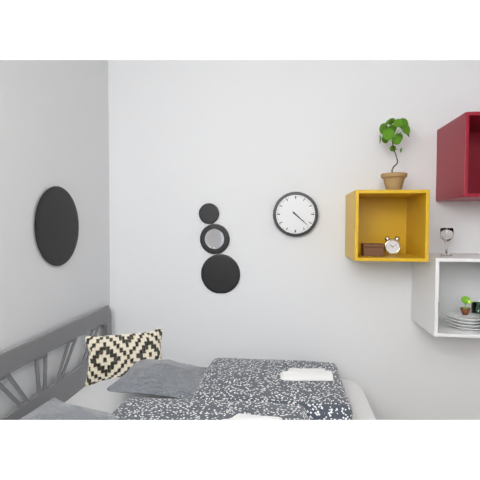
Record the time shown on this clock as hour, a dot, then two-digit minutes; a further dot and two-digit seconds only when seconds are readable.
4.22
